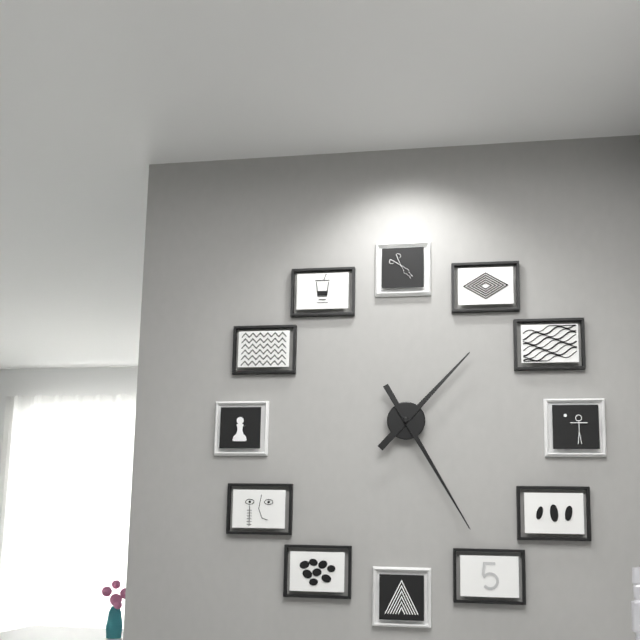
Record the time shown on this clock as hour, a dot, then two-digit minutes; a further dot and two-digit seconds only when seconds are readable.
1.25
